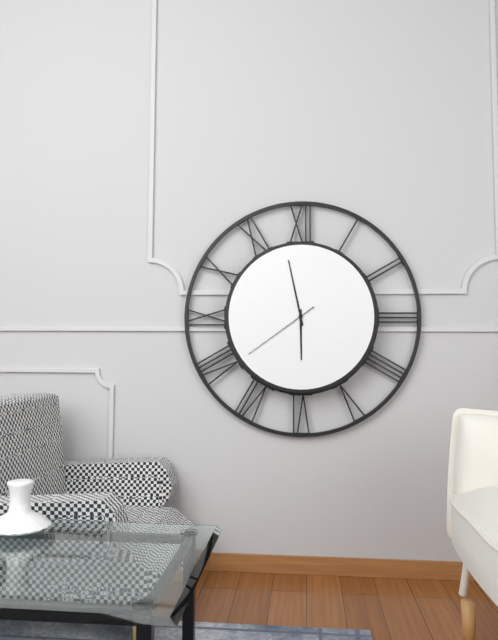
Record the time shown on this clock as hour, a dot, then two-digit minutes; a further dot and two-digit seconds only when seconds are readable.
5.58.39
